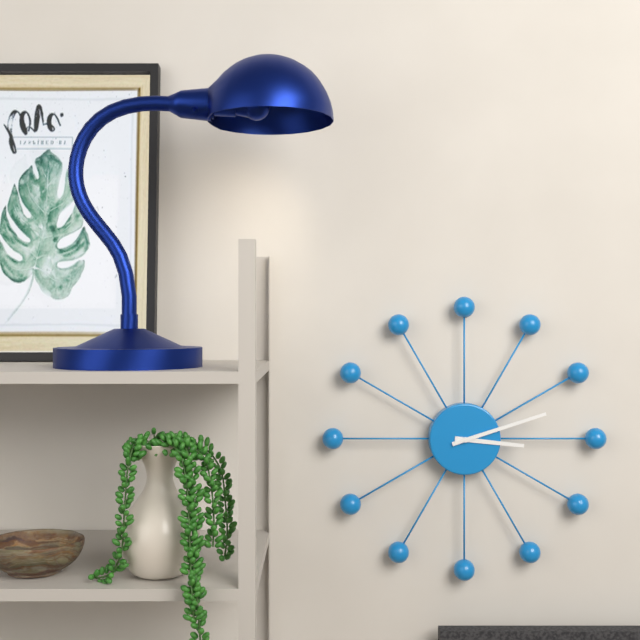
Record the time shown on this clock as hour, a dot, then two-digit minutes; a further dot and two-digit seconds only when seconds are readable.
3.12
